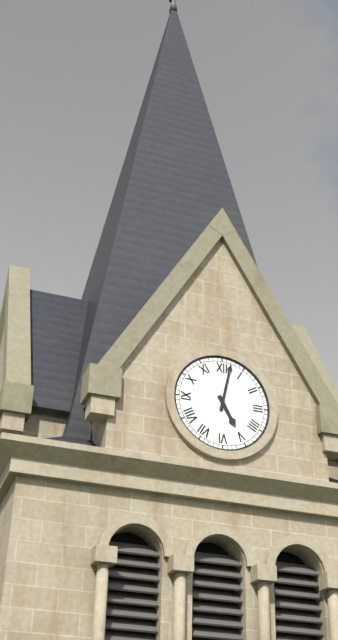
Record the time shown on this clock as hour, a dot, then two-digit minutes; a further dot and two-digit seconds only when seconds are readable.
5.02
